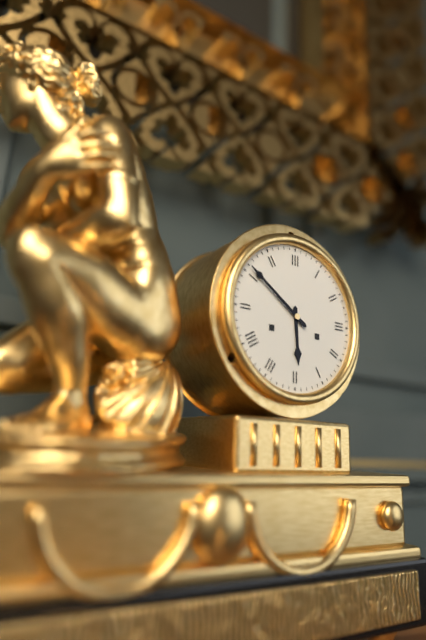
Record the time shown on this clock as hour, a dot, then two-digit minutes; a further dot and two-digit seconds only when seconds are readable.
5.51
